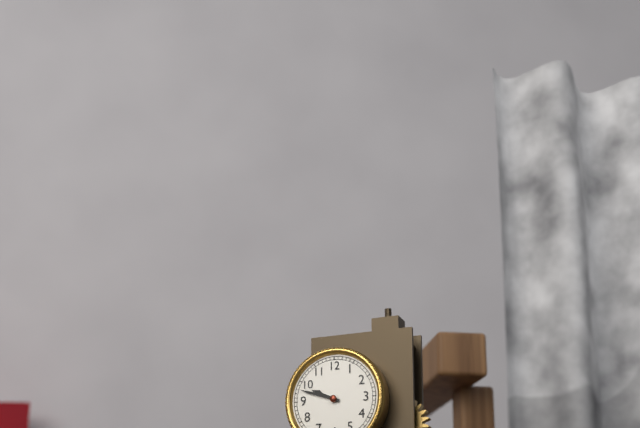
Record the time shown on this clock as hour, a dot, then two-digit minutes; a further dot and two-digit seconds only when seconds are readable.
9.48
